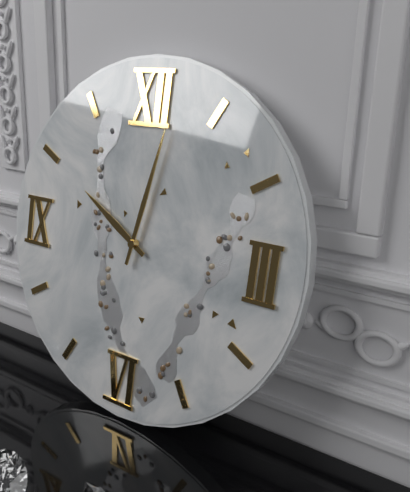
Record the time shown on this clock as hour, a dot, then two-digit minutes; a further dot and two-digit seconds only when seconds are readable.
10.02
